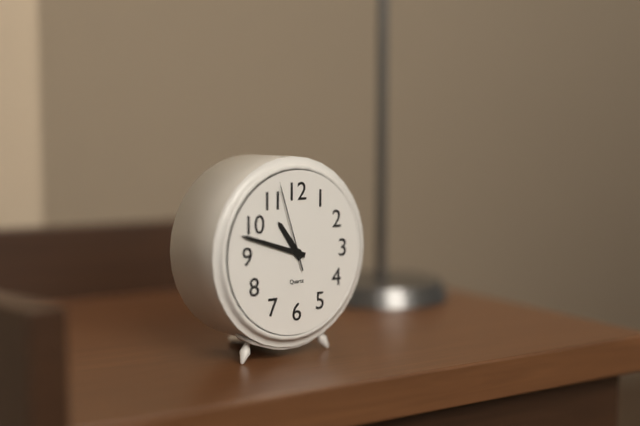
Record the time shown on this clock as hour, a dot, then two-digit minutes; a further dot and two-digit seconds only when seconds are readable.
10.48.57
